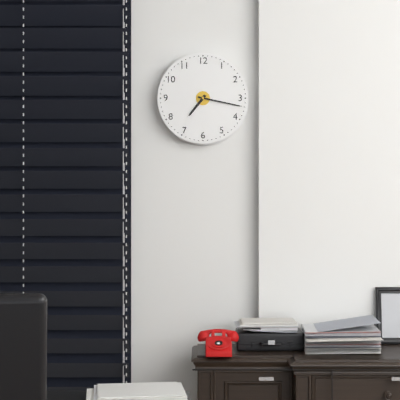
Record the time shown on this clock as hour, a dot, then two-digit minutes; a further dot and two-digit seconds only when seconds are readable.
7.17
